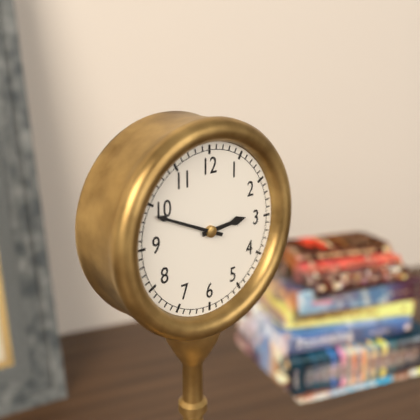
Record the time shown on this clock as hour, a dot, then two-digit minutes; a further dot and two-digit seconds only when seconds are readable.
2.49
